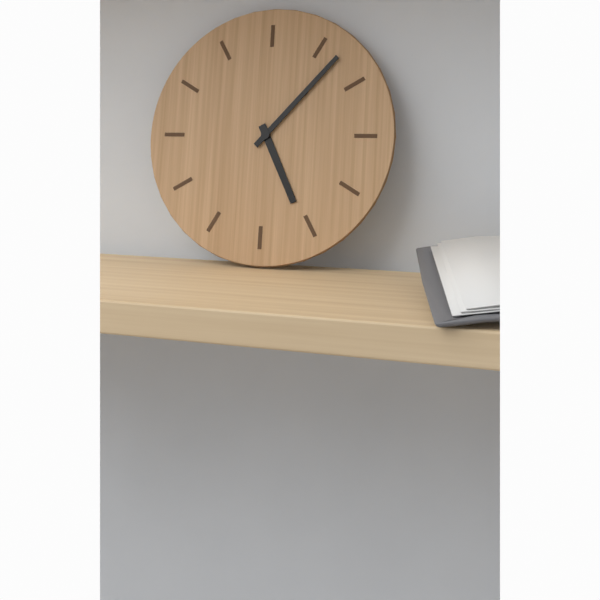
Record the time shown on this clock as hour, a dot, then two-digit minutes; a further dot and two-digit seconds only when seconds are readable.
5.07
